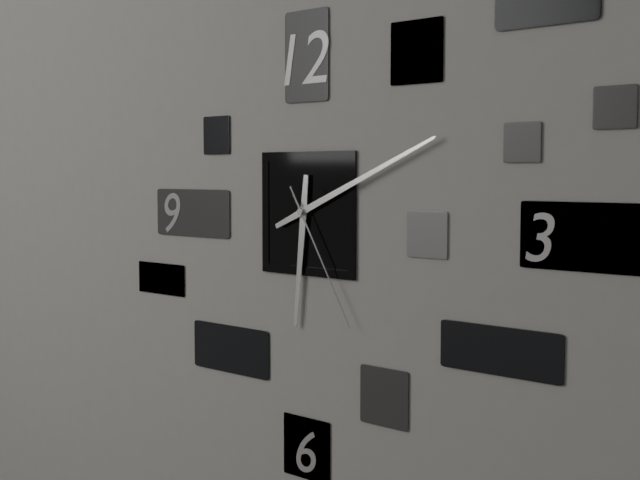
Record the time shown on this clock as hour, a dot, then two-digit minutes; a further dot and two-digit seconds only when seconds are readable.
6.11.25
